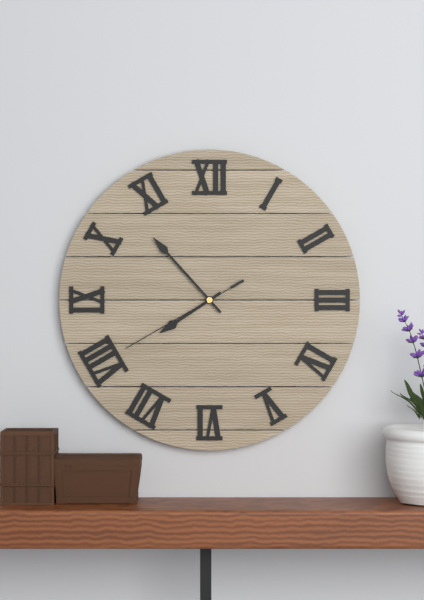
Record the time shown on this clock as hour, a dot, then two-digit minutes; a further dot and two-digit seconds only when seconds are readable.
7.53.40
